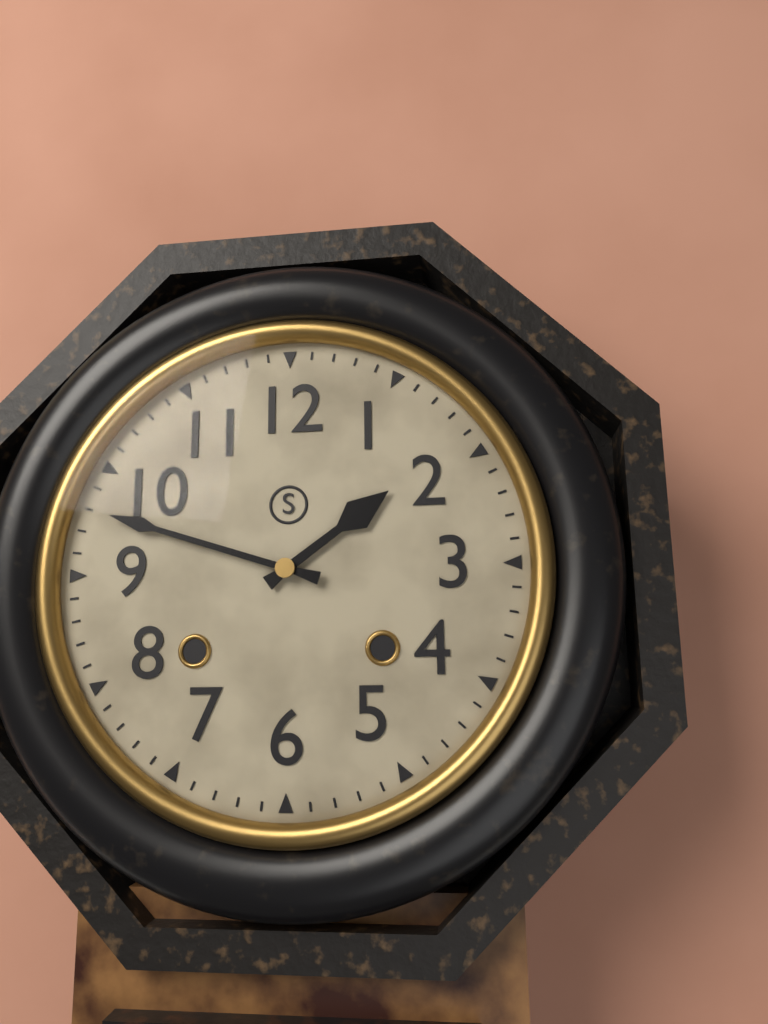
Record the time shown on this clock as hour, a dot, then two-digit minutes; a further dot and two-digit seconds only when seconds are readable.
1.48
